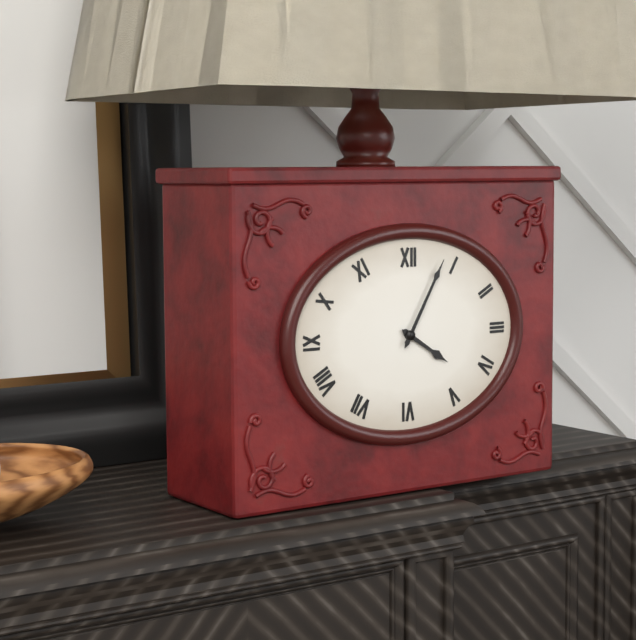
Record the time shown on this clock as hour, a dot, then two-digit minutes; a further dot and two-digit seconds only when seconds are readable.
4.05
